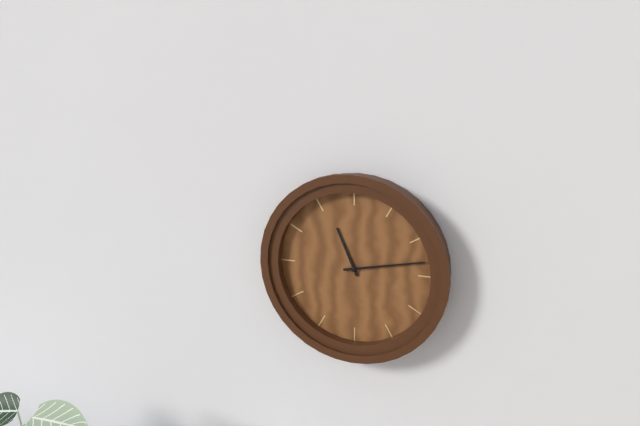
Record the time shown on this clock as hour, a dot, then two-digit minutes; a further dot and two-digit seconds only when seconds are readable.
11.13
